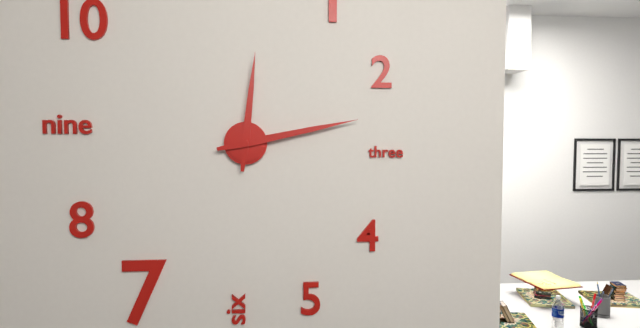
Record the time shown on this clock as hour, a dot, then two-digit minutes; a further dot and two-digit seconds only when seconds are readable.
12.13
